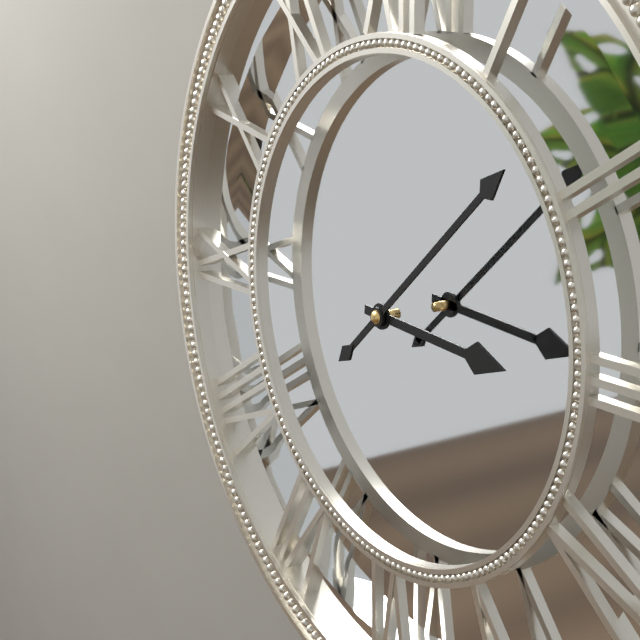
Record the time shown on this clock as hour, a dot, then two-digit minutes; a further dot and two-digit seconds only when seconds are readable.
3.08
